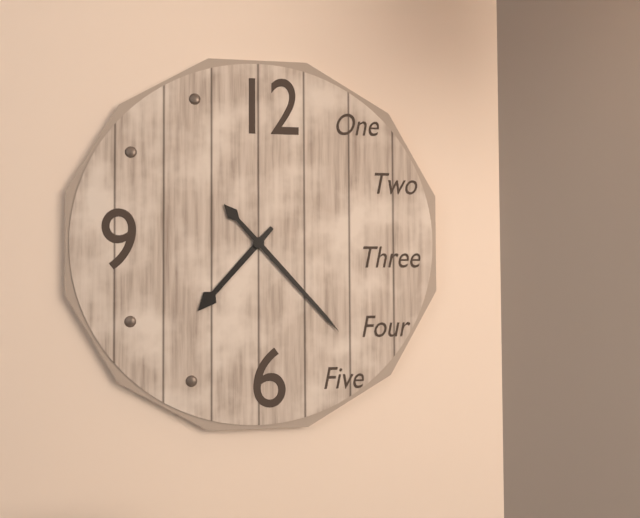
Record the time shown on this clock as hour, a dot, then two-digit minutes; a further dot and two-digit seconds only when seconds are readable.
7.23
